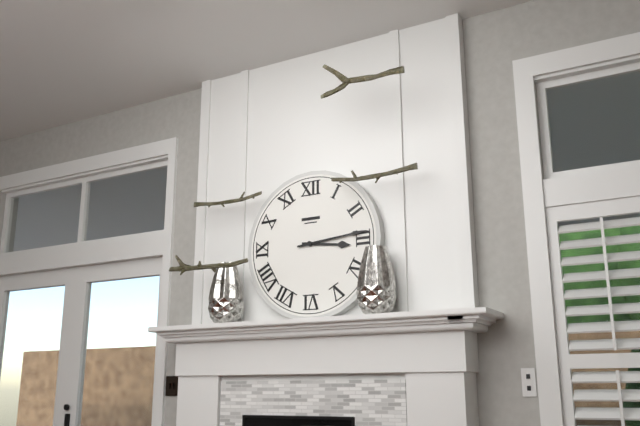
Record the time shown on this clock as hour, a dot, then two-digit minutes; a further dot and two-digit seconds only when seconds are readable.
3.14
